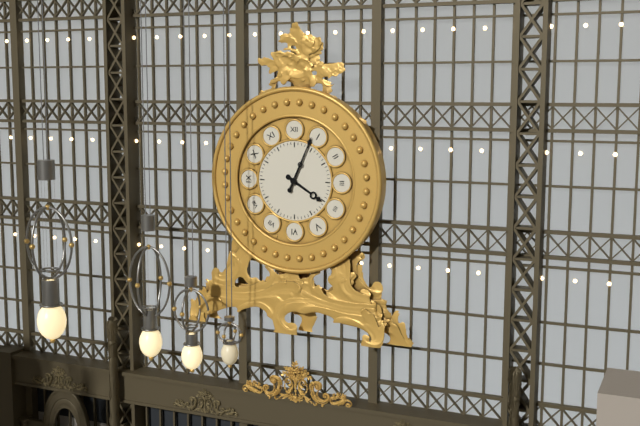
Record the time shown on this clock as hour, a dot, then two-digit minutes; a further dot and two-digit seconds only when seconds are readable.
4.04
